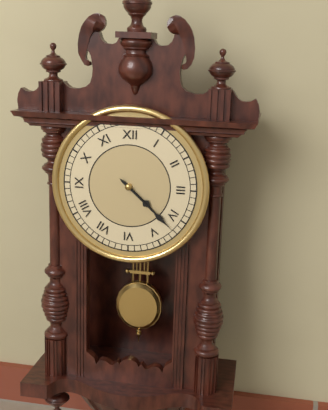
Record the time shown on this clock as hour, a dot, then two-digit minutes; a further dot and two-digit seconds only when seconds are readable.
4.22
